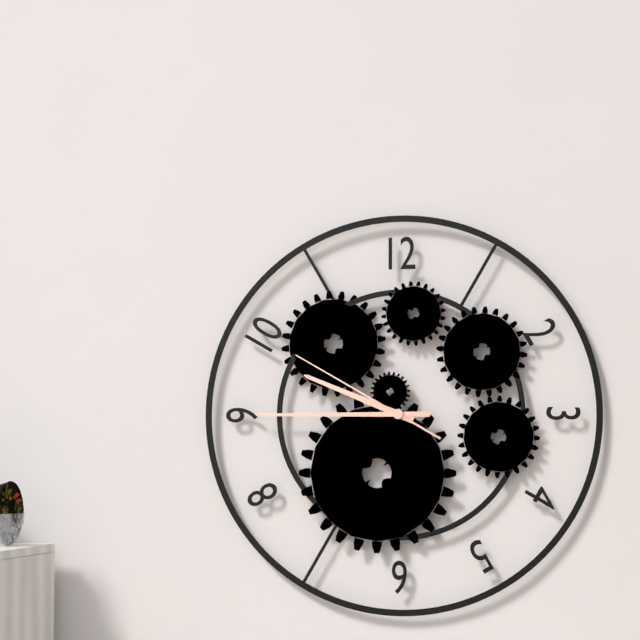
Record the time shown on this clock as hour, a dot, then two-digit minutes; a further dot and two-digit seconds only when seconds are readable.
9.45.50
